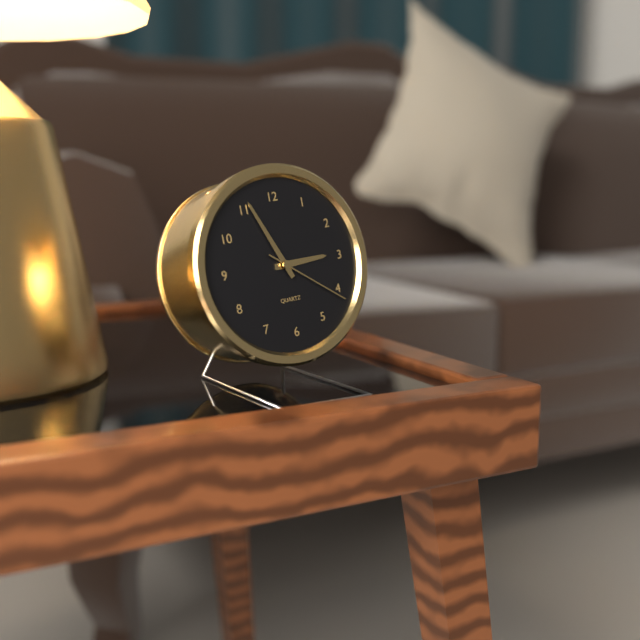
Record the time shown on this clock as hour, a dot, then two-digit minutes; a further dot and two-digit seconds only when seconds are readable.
2.56.21
